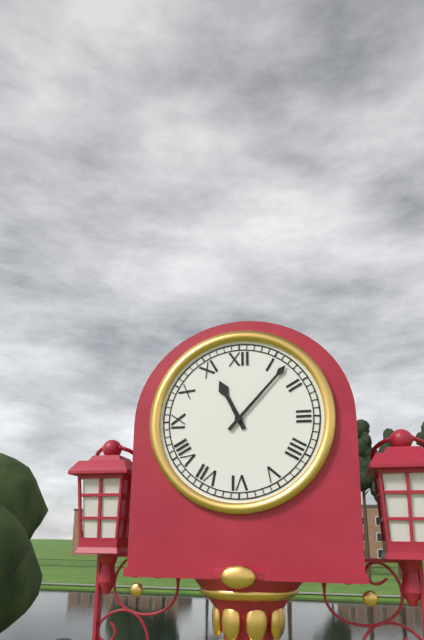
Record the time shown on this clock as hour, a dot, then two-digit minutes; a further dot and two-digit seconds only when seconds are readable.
11.07
